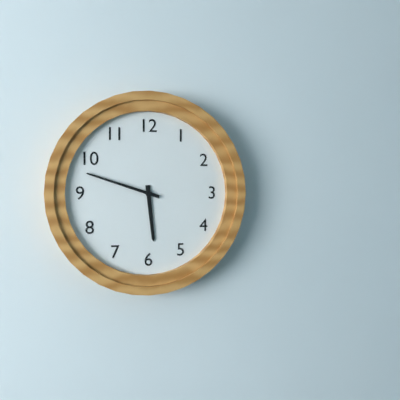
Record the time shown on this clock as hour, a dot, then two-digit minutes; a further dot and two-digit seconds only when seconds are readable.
5.48
